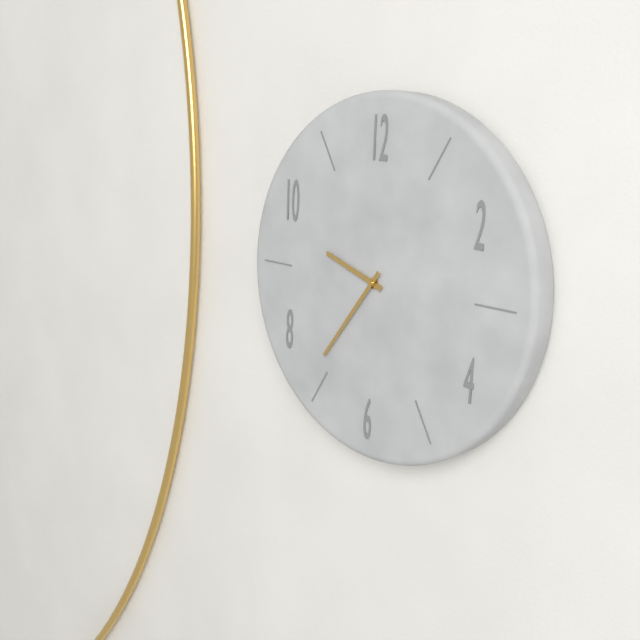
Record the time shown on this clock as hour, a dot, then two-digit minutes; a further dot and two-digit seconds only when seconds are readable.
9.36
